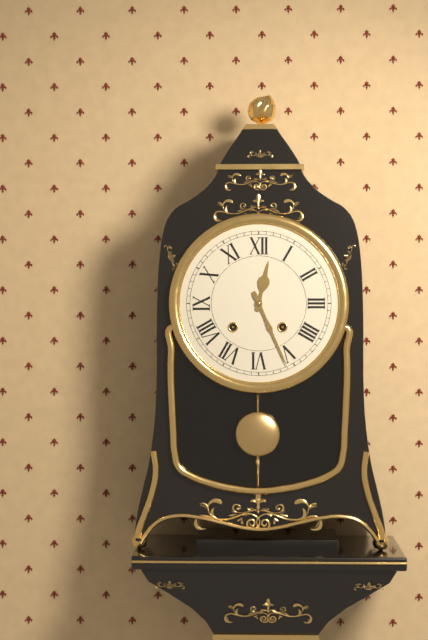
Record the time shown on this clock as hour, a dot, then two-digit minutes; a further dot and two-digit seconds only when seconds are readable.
12.26
